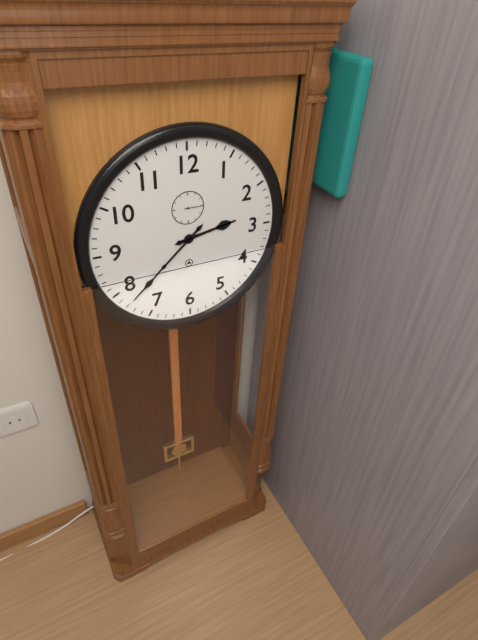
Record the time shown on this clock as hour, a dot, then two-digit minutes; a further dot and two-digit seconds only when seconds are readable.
2.38
